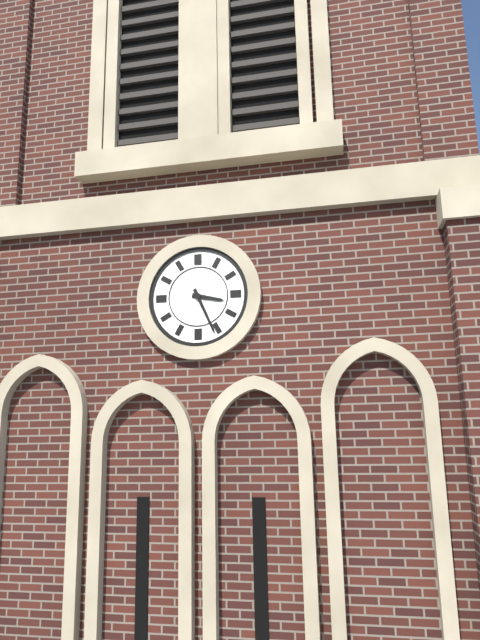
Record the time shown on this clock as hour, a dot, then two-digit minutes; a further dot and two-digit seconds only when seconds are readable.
3.26
